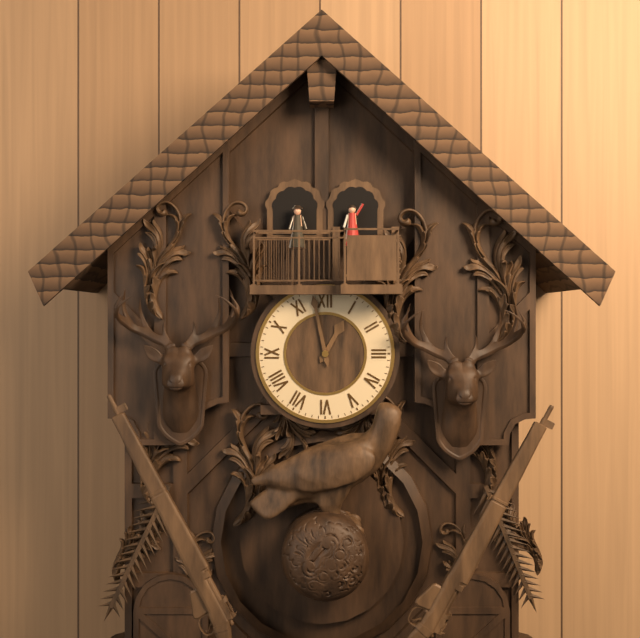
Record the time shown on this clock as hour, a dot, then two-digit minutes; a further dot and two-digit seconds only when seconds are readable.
12.58
